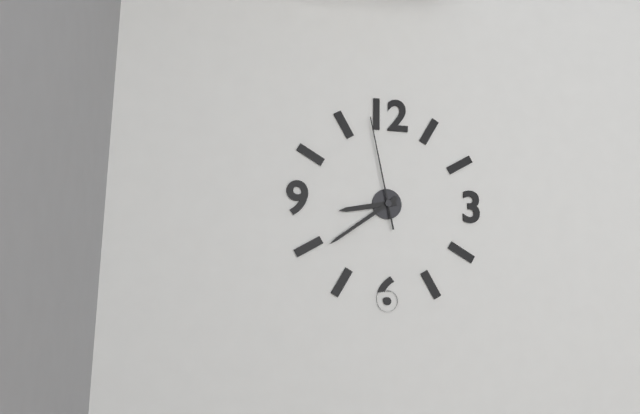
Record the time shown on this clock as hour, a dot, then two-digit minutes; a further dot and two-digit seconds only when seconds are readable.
8.39.58
